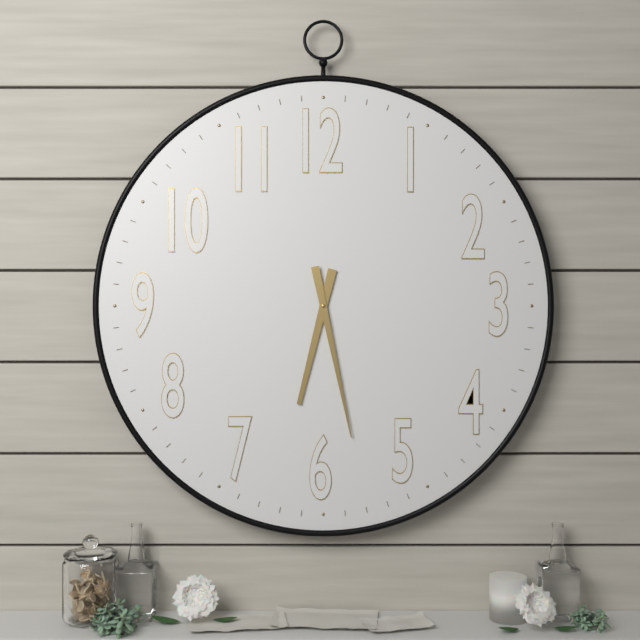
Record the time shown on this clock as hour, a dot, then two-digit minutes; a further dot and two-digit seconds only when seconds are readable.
6.28
